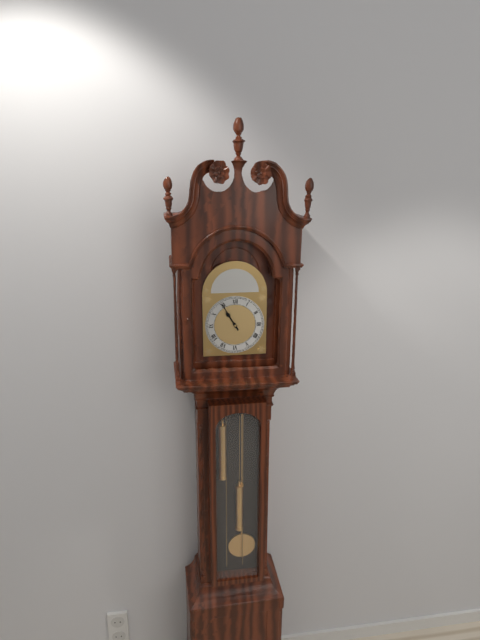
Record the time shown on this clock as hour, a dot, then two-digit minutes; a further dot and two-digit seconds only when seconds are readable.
10.55
